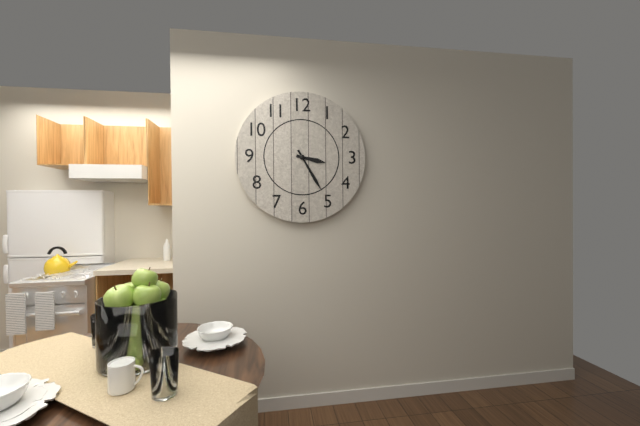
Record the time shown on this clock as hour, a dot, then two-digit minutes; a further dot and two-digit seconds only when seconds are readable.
3.25
